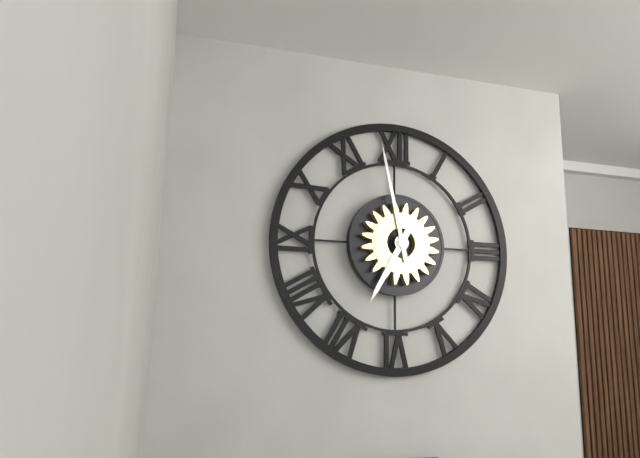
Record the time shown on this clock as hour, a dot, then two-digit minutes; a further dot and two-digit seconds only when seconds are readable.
6.58
